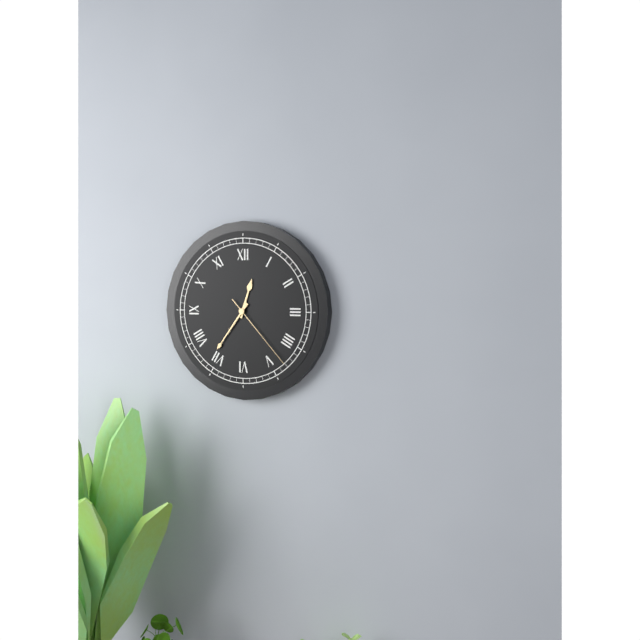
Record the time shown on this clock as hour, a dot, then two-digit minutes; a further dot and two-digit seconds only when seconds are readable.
12.36.23
